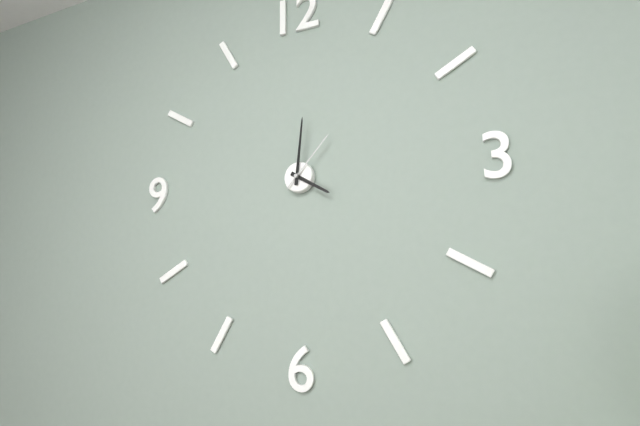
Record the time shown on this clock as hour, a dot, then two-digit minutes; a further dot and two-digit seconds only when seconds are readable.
4.01.07
